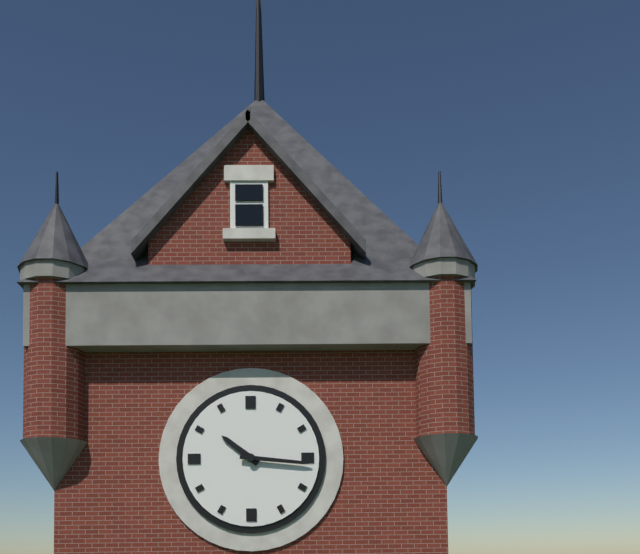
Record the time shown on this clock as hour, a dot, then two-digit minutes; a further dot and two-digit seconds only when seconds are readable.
10.16
